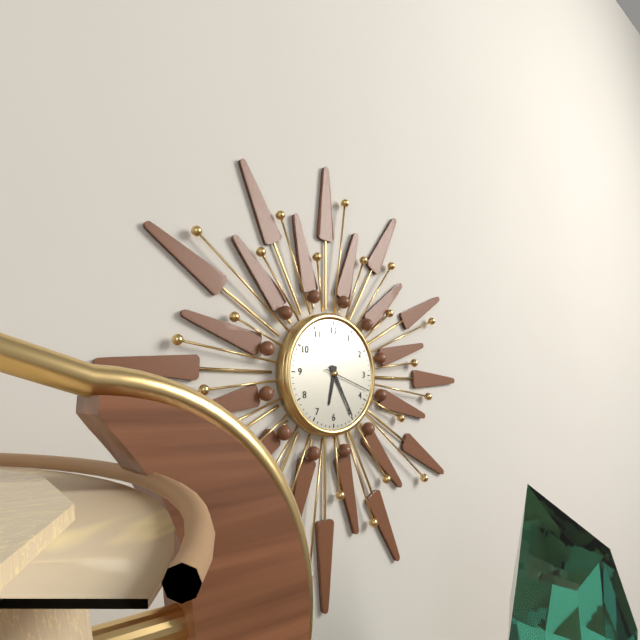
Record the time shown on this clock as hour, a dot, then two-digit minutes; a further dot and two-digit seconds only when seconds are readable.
6.25
